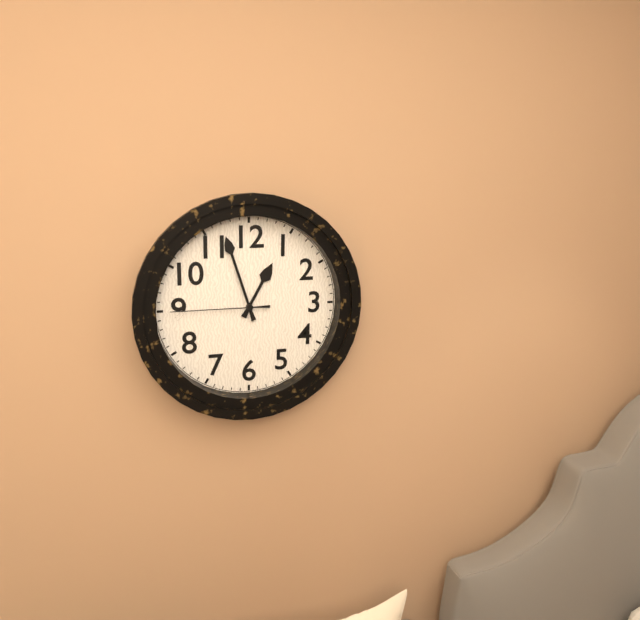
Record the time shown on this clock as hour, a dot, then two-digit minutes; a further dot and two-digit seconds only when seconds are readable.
12.57.45
